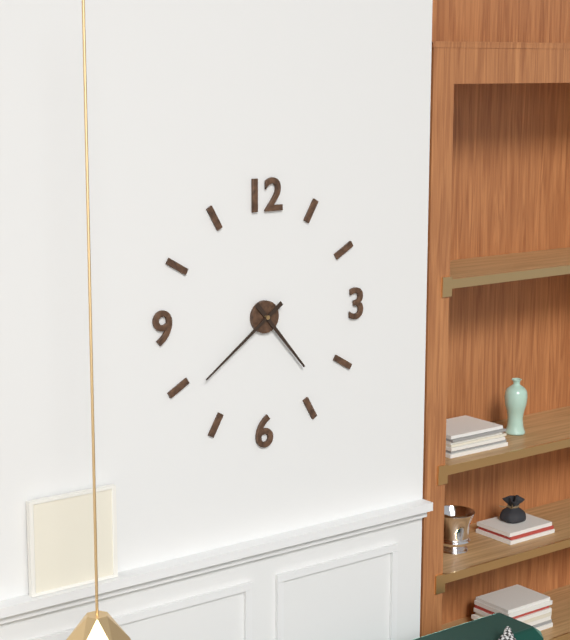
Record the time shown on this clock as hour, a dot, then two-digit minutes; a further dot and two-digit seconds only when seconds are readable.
4.39
